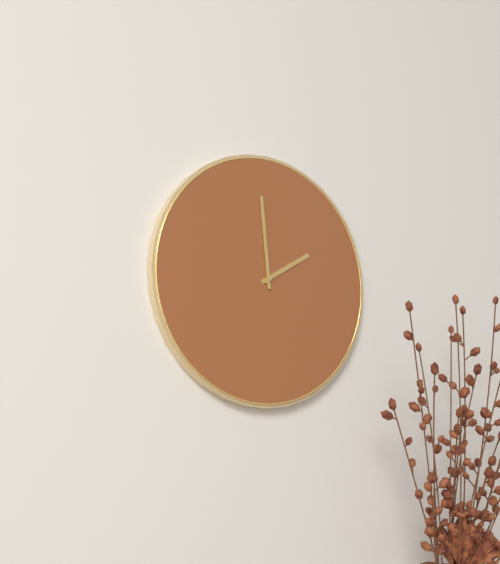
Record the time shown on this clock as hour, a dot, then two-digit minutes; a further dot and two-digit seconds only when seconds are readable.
1.59
